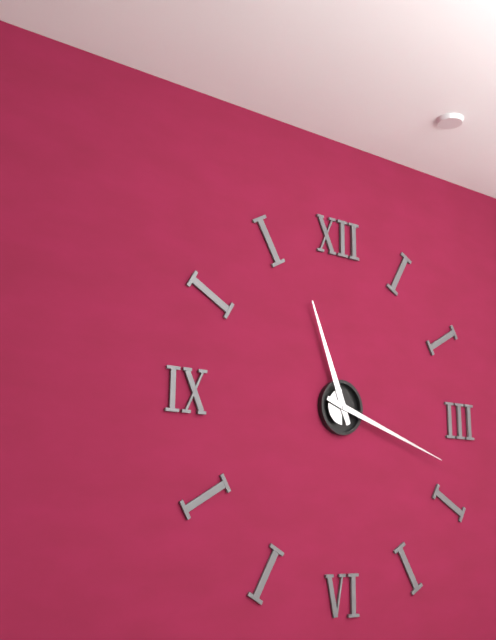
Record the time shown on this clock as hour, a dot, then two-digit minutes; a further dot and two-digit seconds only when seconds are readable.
11.18
